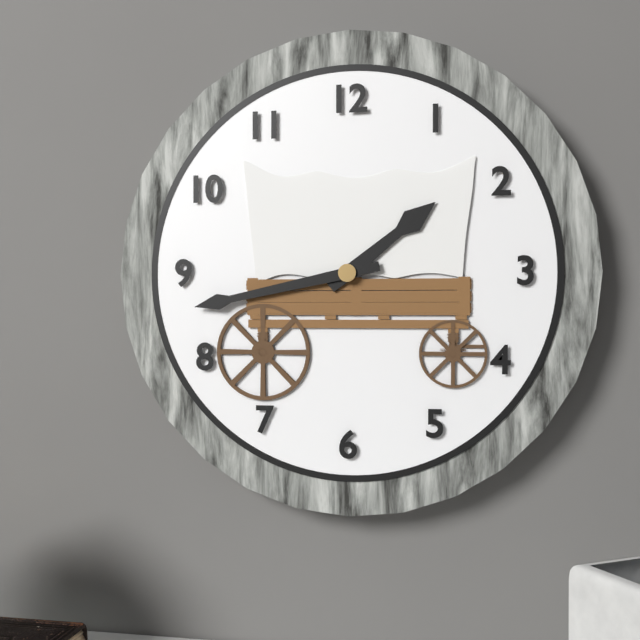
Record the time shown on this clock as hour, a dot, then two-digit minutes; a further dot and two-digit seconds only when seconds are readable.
1.43
